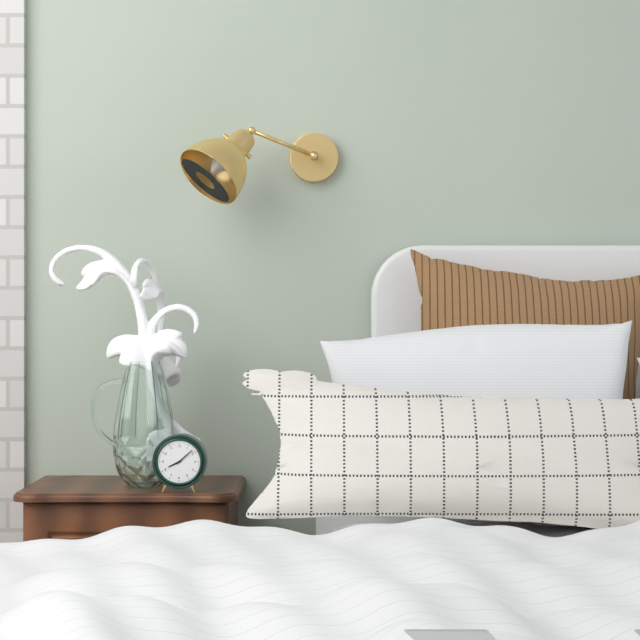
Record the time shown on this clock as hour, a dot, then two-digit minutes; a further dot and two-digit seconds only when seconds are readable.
8.08
